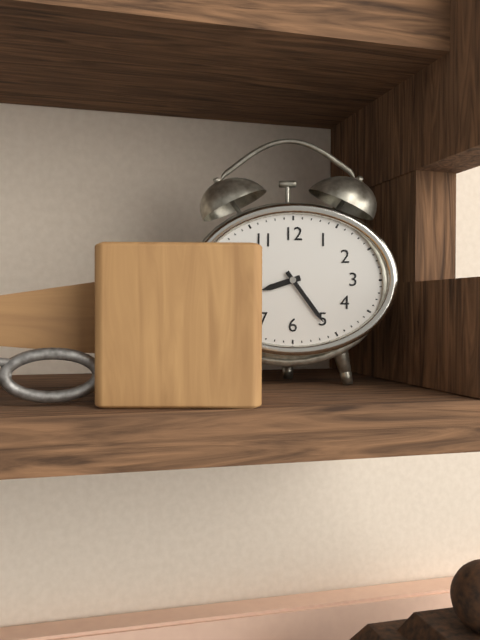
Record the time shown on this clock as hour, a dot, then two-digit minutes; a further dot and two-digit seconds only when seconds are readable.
8.24
